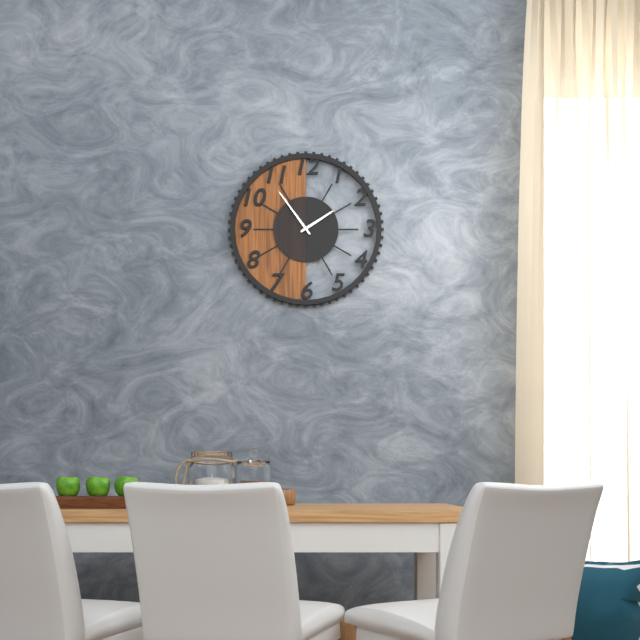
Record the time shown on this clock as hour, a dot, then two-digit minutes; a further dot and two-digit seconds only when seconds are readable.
1.54
